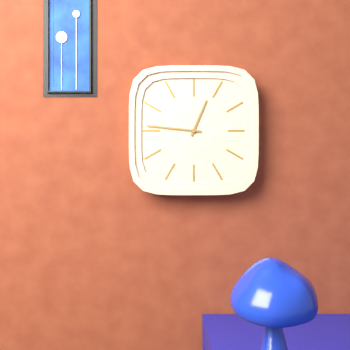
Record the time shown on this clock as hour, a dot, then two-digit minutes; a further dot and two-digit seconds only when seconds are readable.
12.46
